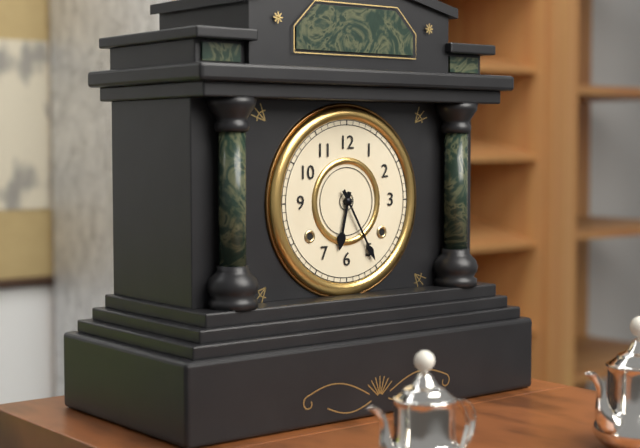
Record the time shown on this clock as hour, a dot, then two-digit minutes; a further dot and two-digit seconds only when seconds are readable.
6.25
